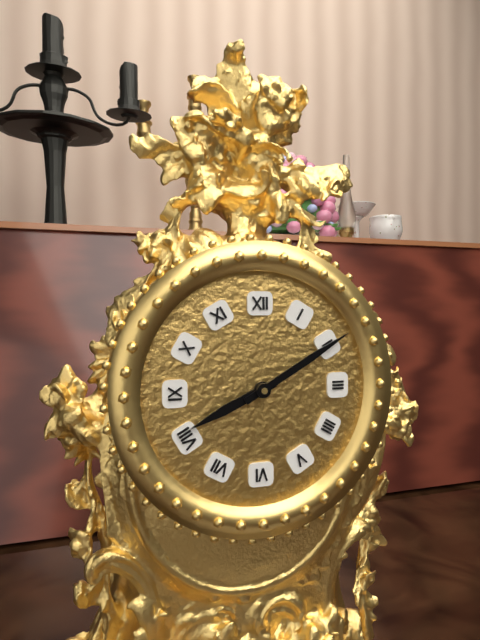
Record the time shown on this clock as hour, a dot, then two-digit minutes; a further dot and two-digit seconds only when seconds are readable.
8.10
